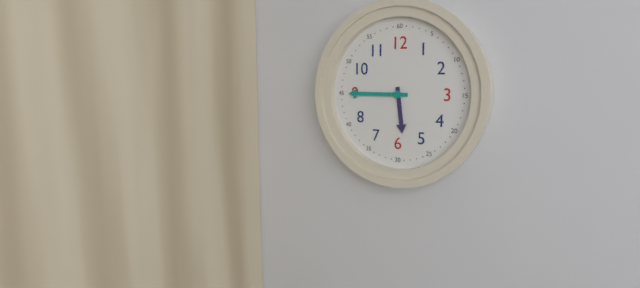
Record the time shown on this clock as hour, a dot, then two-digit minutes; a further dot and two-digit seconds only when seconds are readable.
5.45
